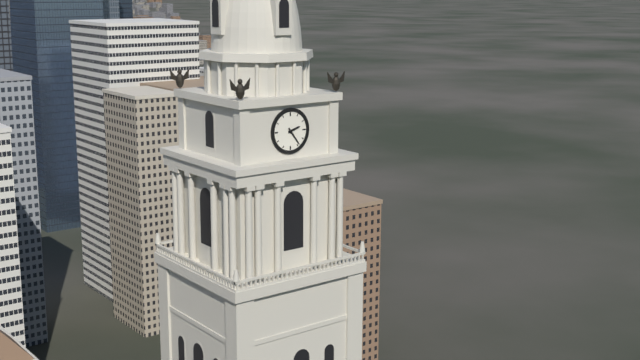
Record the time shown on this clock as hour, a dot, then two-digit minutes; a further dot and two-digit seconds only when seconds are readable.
2.24
